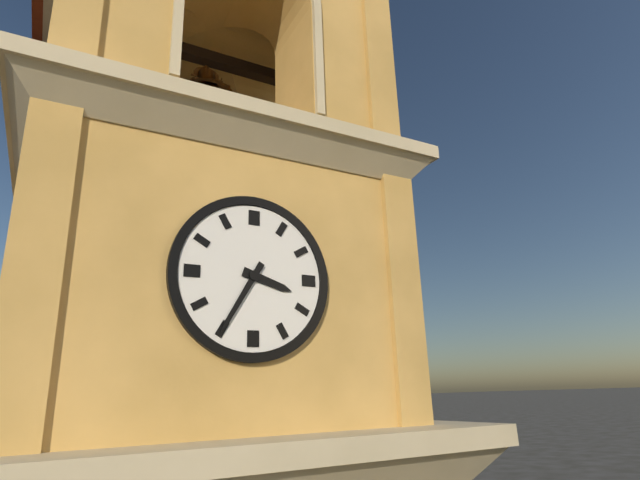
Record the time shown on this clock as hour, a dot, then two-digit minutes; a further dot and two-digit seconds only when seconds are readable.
3.35
